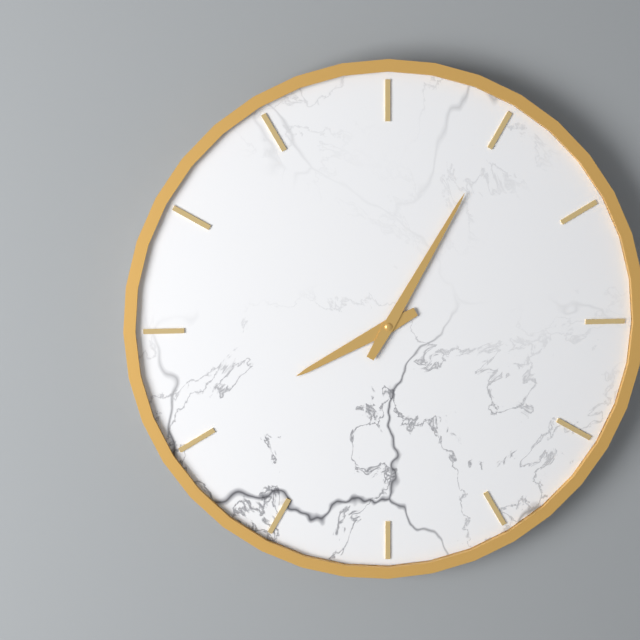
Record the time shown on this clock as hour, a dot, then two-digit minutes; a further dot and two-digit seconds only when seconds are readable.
8.05
